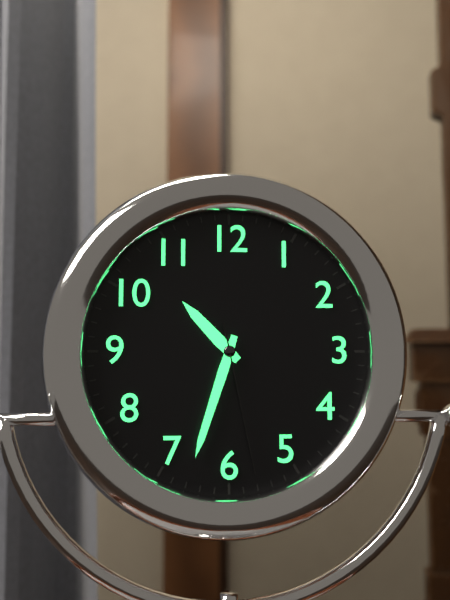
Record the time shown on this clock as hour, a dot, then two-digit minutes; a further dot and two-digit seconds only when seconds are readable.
10.33.28
